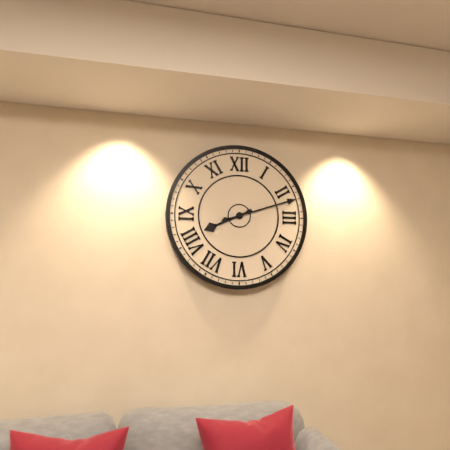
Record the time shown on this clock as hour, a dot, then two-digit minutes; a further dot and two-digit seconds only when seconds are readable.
8.12
